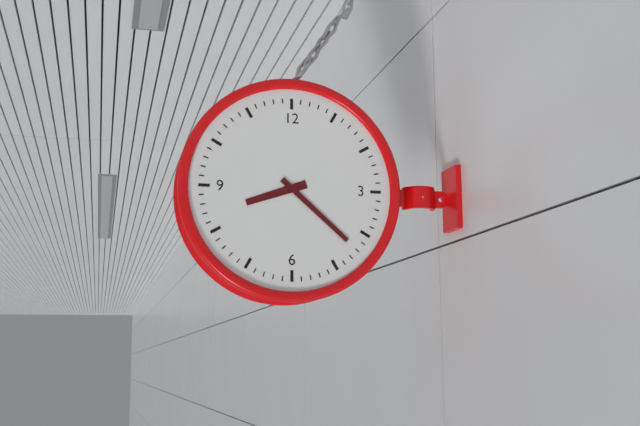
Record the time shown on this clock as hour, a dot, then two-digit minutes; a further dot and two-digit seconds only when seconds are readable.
8.22
